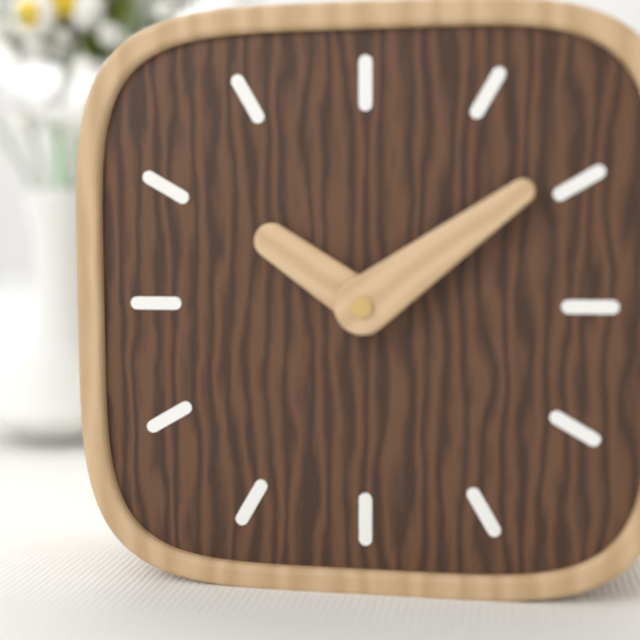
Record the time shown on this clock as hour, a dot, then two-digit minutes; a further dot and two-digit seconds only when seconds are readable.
10.09
